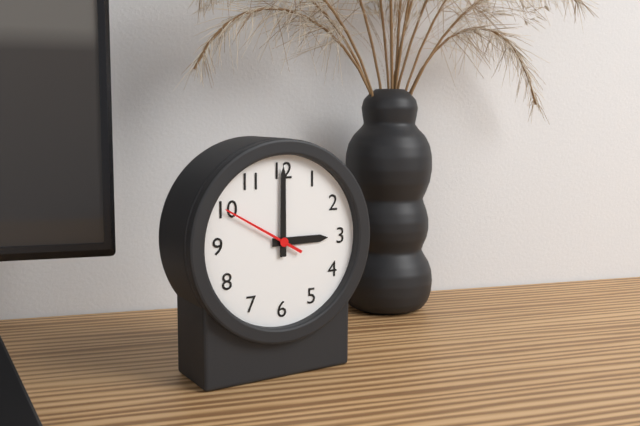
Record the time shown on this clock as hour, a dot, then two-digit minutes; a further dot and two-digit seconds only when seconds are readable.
3.00.50
